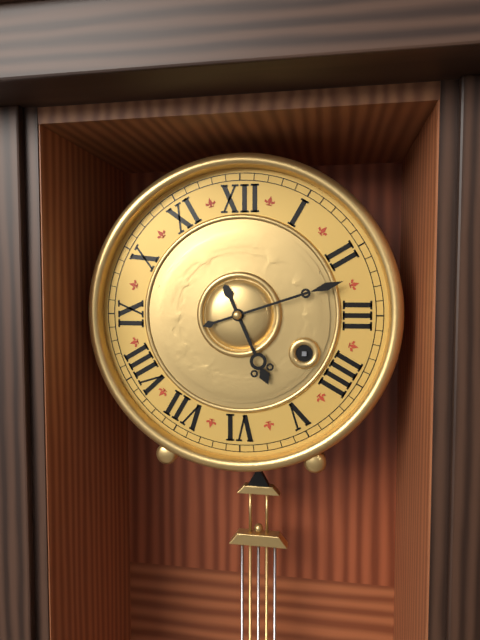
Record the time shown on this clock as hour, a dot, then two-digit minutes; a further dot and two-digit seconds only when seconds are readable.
5.12
